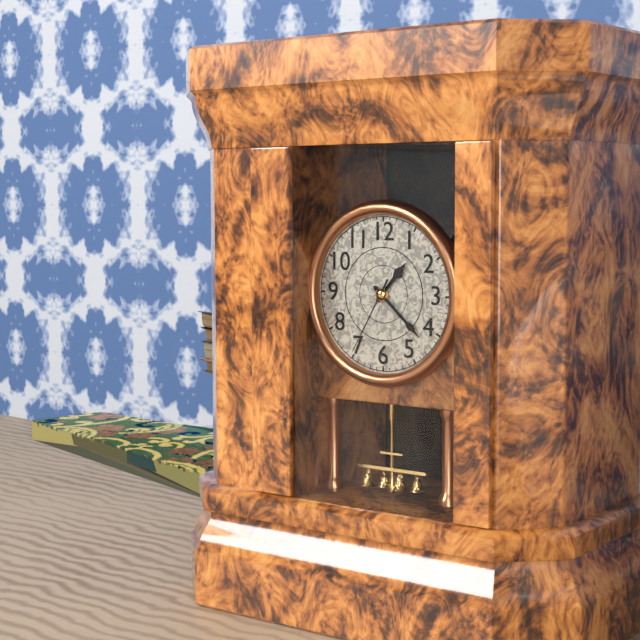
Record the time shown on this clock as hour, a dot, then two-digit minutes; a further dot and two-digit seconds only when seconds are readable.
1.22.35
